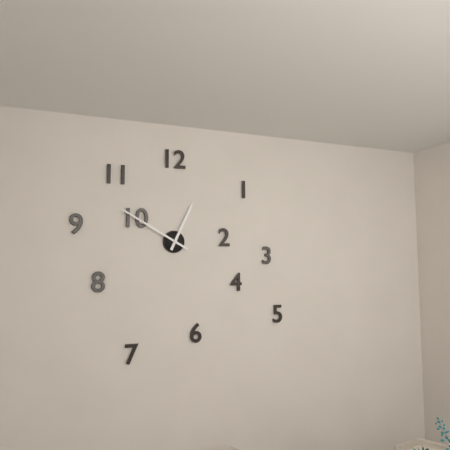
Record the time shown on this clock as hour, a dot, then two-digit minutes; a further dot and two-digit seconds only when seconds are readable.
12.50
